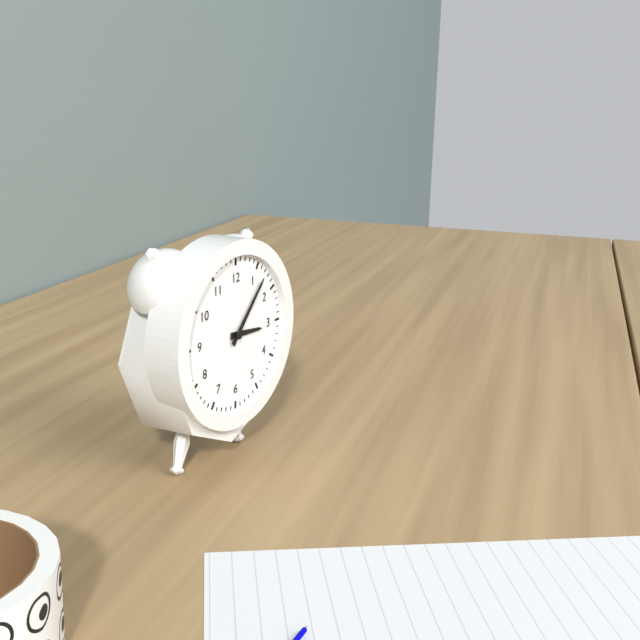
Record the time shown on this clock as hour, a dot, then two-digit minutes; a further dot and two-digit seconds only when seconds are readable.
3.07
